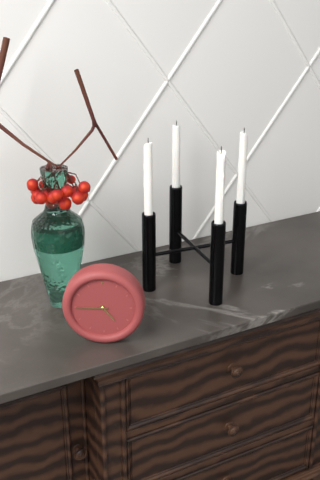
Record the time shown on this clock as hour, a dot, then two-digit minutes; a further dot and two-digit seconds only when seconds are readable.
4.45
